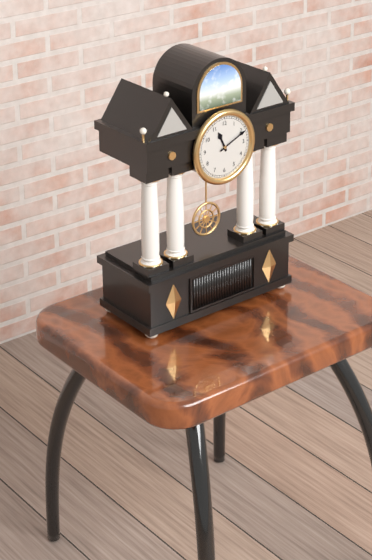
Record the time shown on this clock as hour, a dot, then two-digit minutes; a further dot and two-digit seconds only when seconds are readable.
11.11
